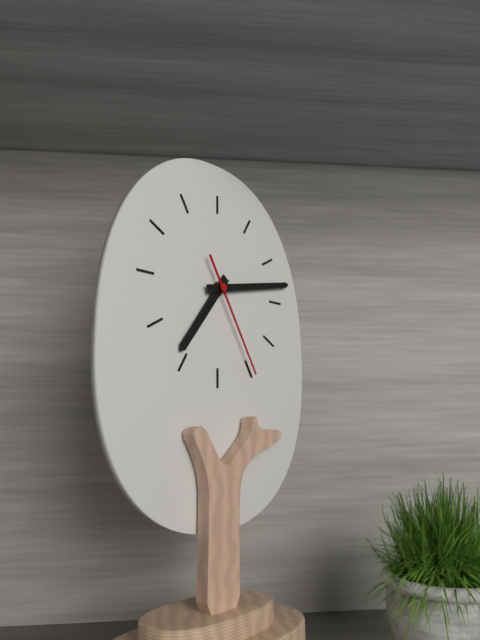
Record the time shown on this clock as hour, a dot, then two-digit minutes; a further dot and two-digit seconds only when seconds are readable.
7.13.25
